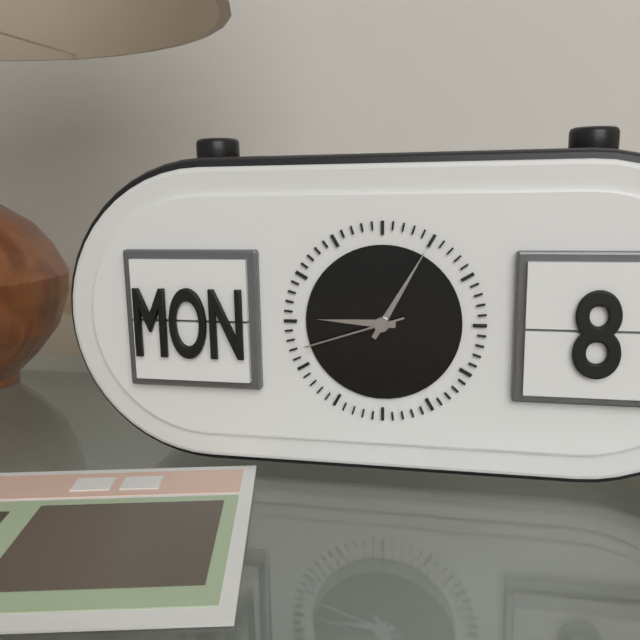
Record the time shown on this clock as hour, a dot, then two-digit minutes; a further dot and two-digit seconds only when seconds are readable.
9.05.42
